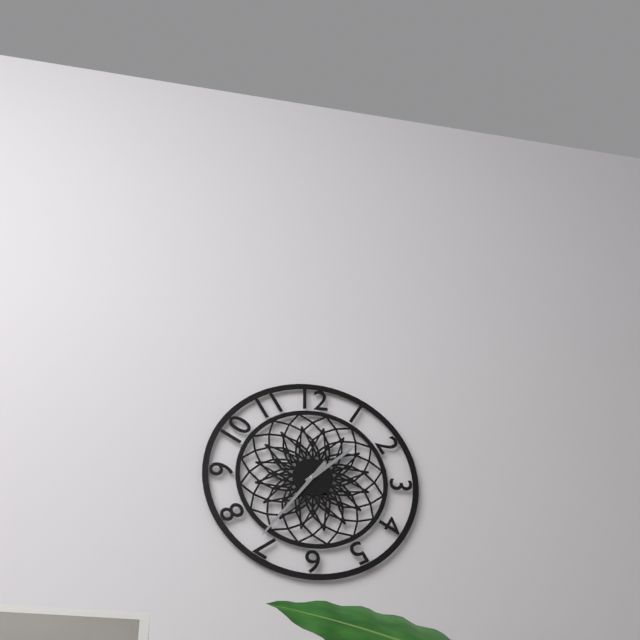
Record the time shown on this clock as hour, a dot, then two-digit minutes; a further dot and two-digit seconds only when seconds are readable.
1.36
